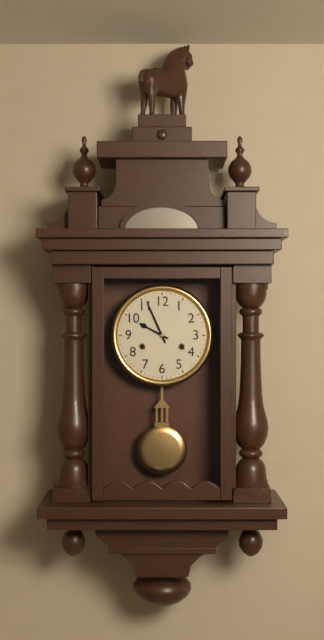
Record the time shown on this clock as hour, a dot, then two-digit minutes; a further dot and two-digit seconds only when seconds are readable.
9.56
